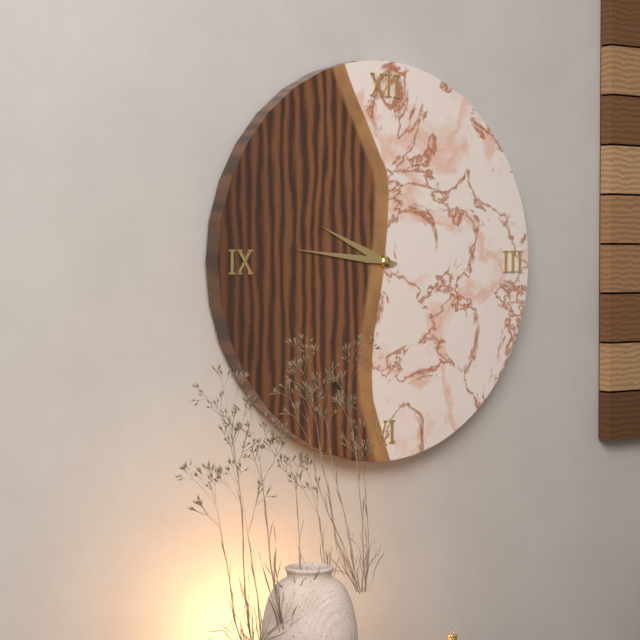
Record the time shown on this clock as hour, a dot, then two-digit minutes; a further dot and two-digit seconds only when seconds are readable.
9.46
